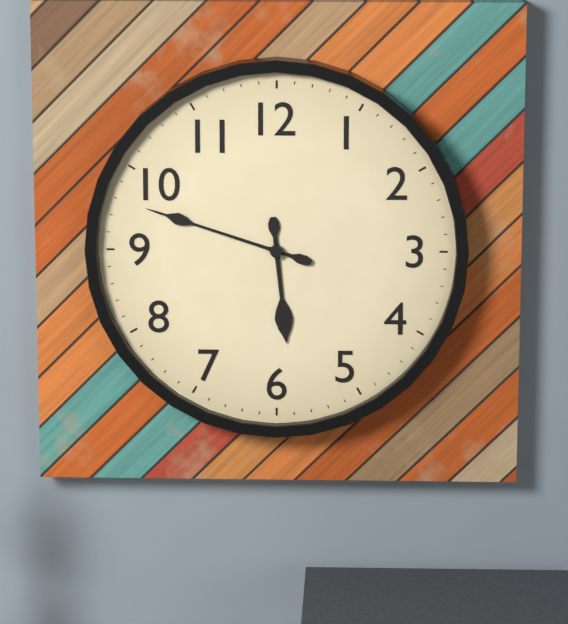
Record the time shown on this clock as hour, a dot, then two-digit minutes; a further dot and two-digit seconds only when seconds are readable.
5.48
